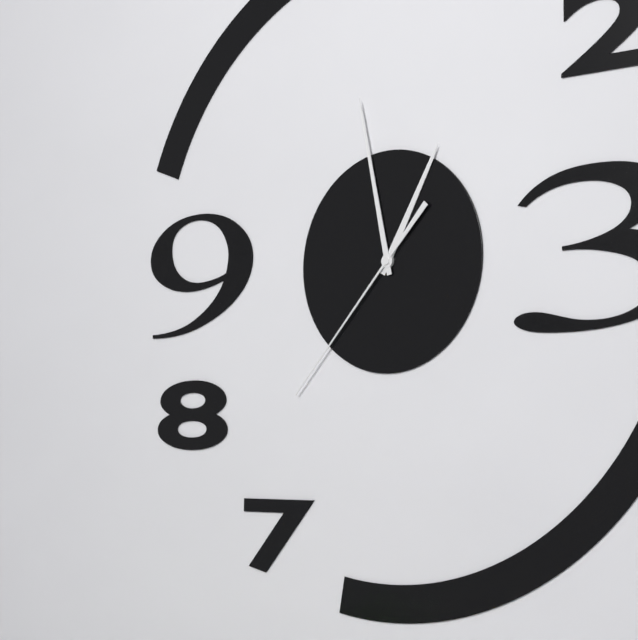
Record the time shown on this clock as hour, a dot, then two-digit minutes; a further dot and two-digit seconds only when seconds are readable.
12.58.37
